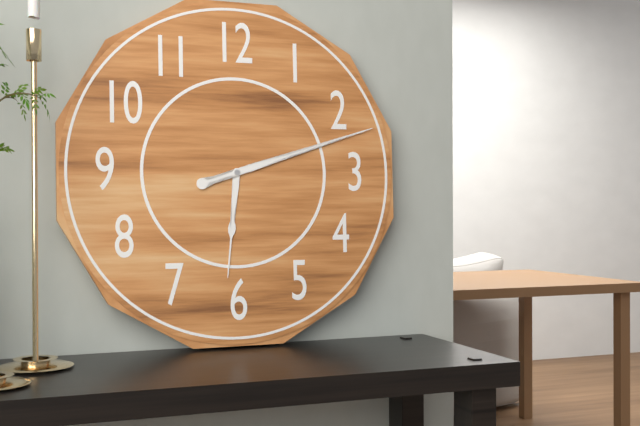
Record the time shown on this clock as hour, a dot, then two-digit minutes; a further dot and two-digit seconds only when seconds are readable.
6.12
